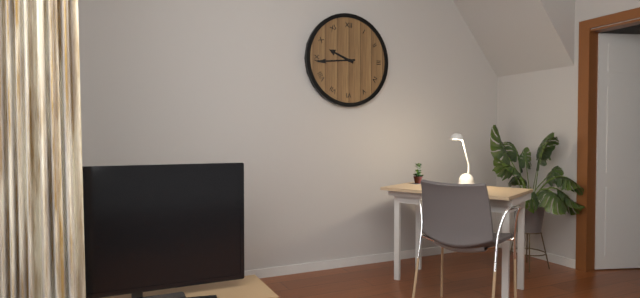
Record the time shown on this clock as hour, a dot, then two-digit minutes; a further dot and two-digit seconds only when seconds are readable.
9.44
